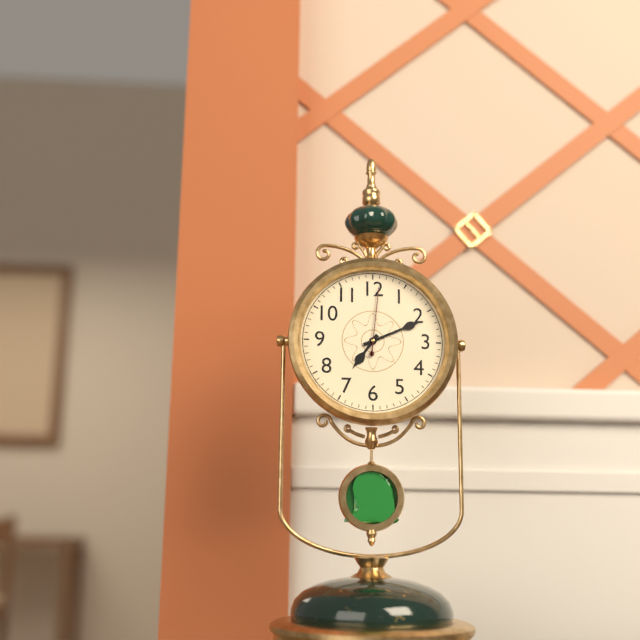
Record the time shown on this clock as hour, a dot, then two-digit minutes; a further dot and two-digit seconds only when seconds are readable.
7.11.01
